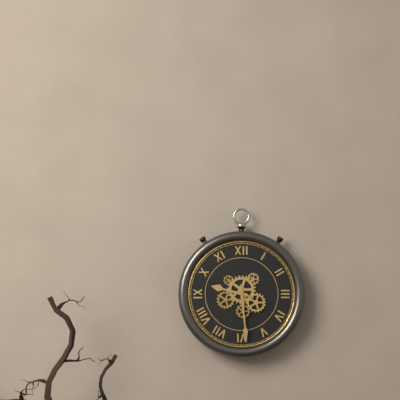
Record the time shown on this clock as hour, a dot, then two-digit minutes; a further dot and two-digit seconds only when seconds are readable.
9.29
